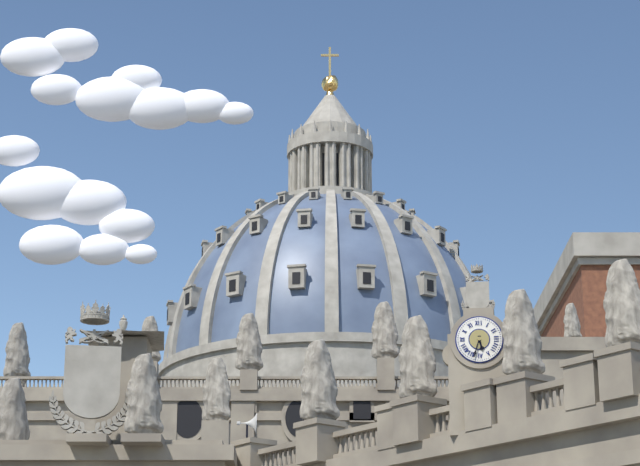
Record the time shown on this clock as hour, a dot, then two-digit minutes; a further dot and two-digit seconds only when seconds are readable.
5.33
